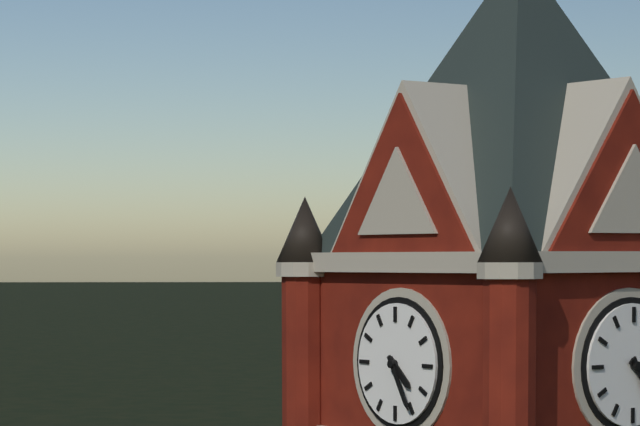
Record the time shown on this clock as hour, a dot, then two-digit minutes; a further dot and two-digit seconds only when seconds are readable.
4.25
